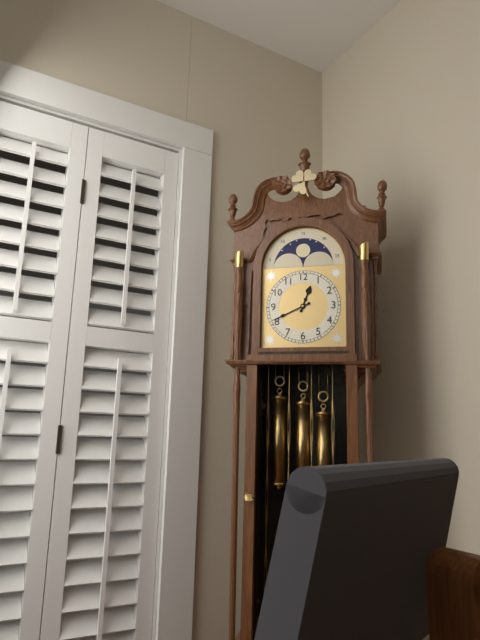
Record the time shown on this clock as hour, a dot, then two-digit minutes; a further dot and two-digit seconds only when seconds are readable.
12.41
